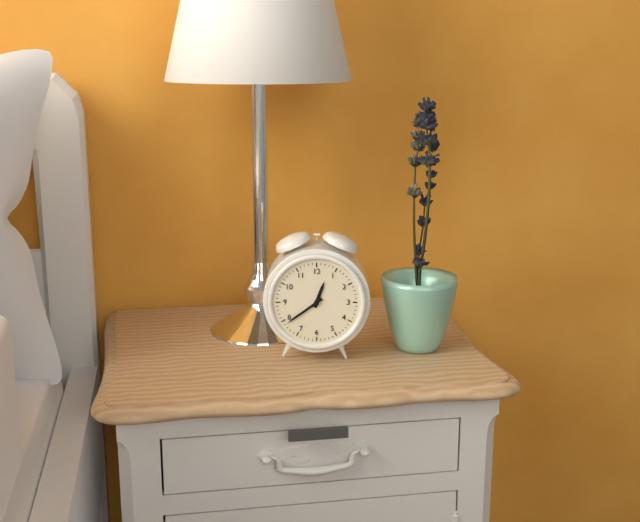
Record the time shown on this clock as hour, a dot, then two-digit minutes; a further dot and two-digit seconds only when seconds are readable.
12.39
